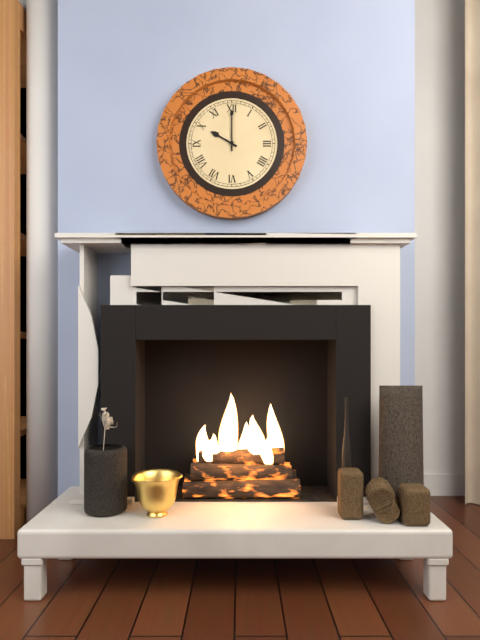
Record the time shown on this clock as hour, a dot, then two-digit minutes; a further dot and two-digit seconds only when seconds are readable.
10.00
